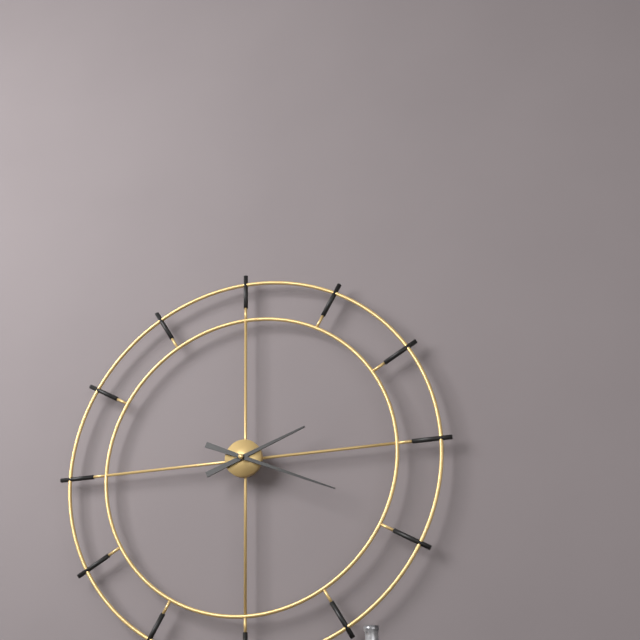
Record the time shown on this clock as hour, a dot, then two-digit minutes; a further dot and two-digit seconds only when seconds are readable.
2.19
